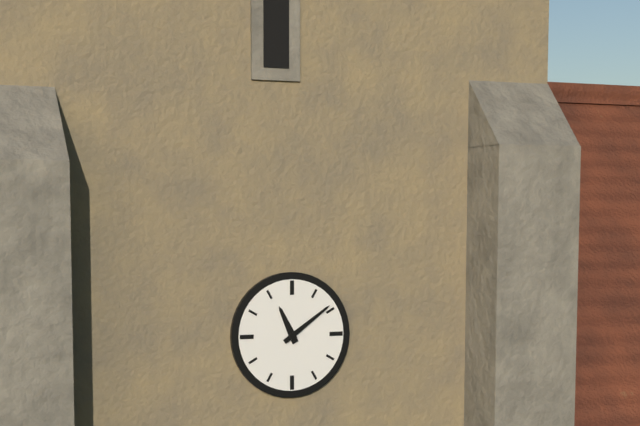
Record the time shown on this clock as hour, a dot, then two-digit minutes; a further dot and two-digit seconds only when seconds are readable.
11.09
